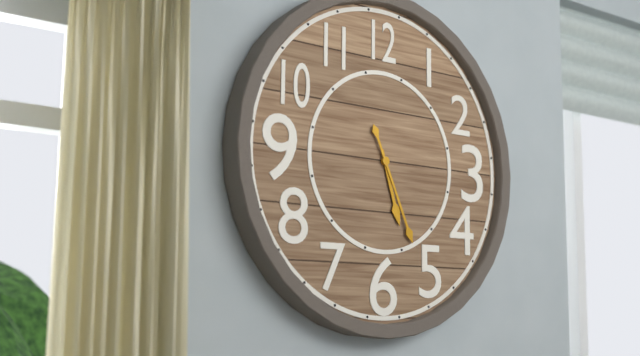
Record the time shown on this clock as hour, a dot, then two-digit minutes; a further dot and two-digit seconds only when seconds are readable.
5.26
